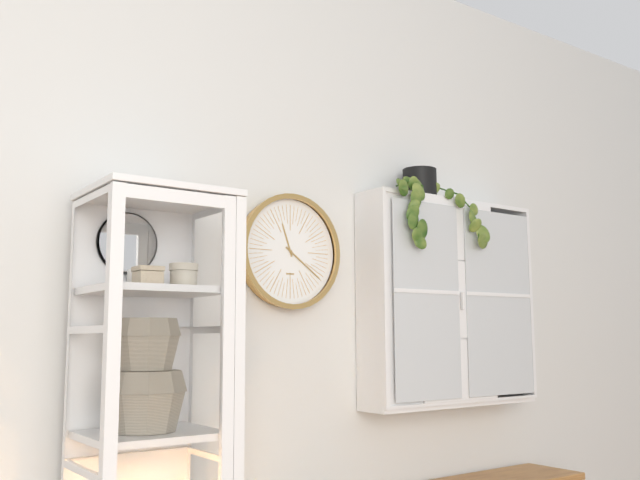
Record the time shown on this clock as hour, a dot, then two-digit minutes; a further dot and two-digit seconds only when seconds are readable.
11.21
